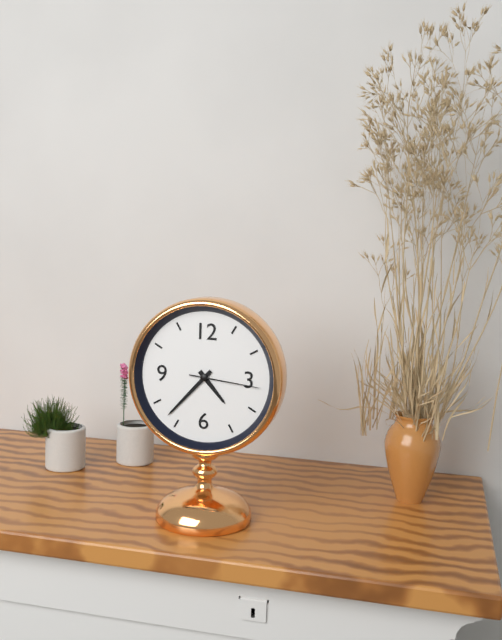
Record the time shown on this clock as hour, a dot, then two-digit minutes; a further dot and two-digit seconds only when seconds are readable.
4.37.16
